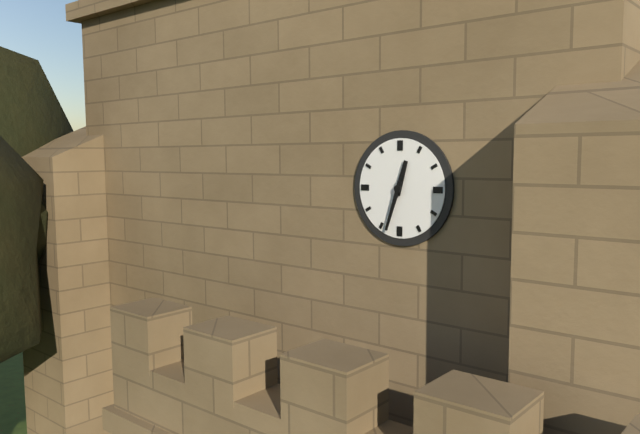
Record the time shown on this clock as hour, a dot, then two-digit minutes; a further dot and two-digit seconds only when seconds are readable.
12.33
